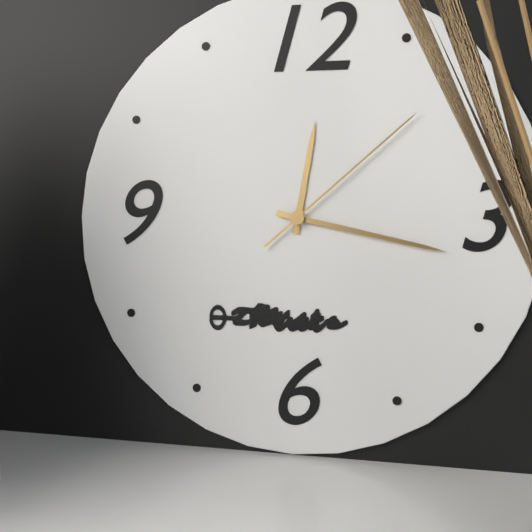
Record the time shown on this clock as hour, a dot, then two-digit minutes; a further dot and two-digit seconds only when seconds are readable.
12.17.08
